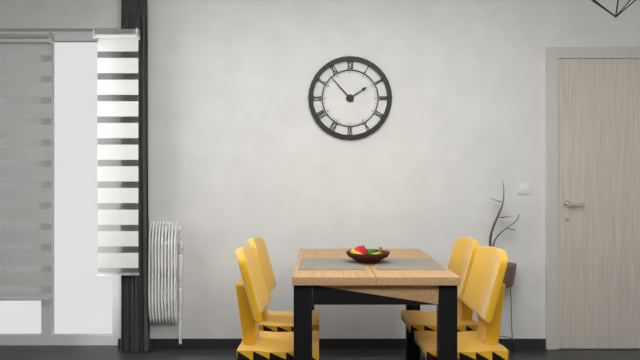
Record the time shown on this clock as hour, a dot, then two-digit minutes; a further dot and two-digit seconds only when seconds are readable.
1.53
